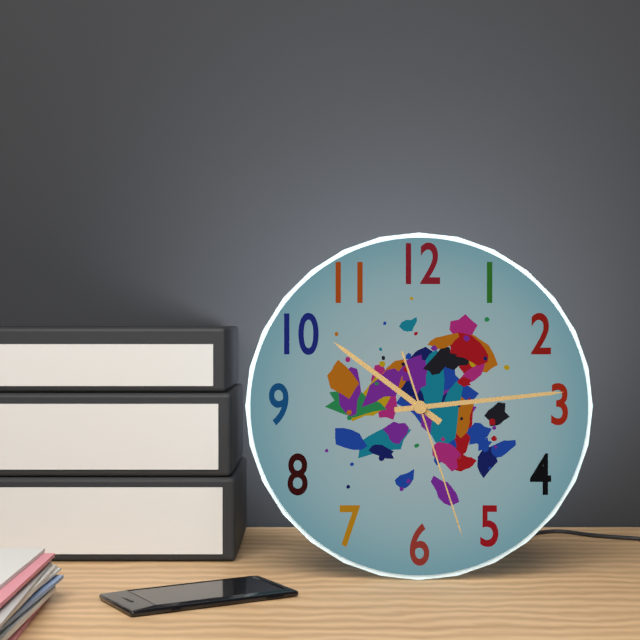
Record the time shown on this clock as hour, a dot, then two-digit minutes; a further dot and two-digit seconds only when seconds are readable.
10.14.27
